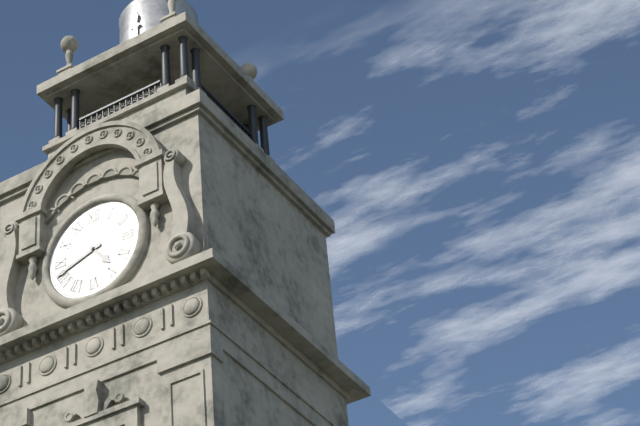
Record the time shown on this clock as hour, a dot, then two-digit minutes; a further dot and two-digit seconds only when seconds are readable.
4.42
